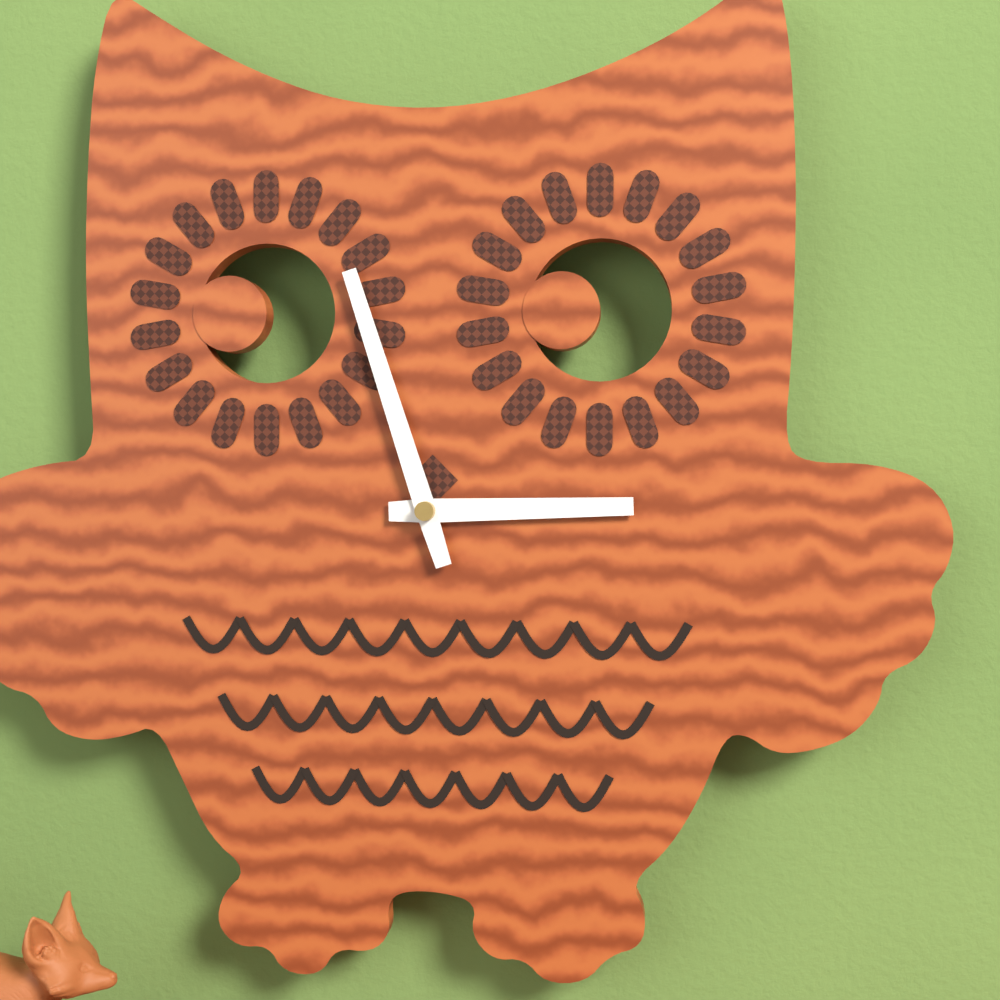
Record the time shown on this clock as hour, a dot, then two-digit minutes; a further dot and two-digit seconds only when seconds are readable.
2.57
